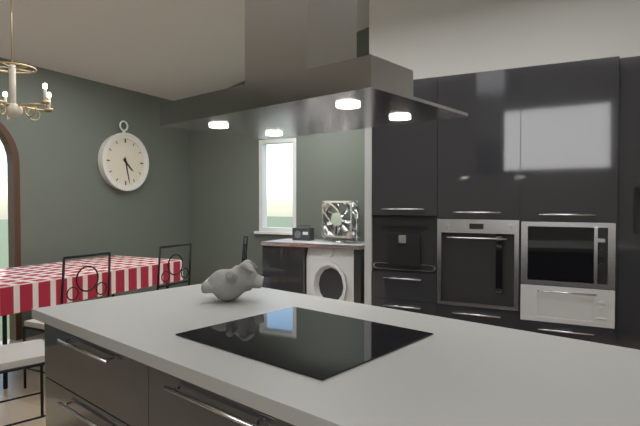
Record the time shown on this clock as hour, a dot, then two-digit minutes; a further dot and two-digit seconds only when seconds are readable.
4.28
